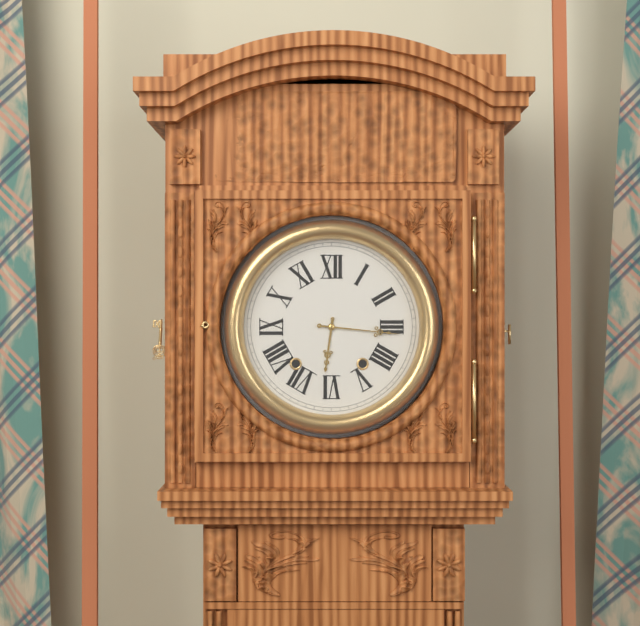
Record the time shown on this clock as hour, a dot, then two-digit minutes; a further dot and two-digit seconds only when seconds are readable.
6.16
